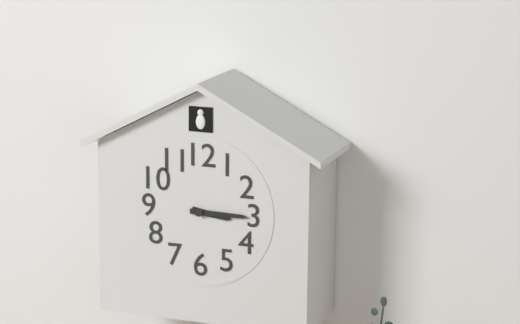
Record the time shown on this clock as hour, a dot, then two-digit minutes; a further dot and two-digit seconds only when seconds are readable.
3.15
